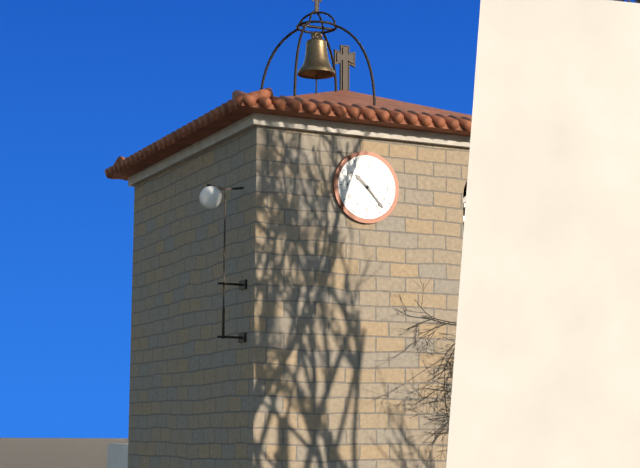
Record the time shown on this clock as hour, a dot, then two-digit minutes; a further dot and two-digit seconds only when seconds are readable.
10.23
